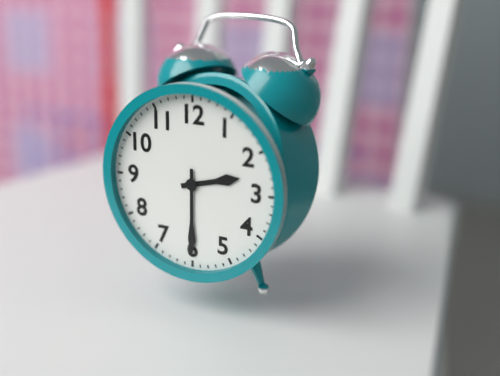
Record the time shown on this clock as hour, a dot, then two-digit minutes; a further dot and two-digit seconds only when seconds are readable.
2.30
